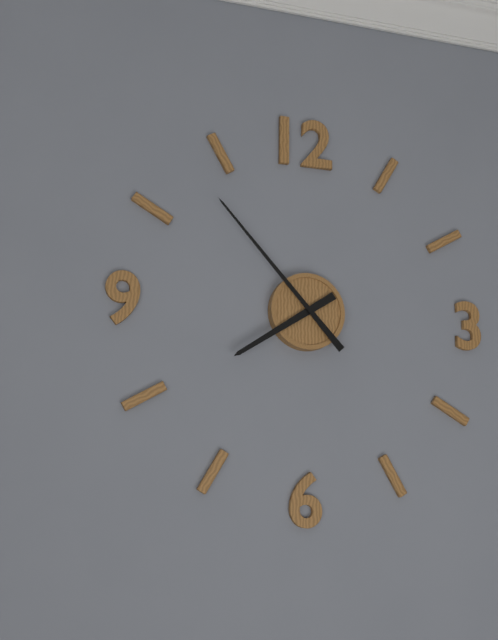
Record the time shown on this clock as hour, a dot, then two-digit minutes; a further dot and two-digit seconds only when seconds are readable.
7.53
